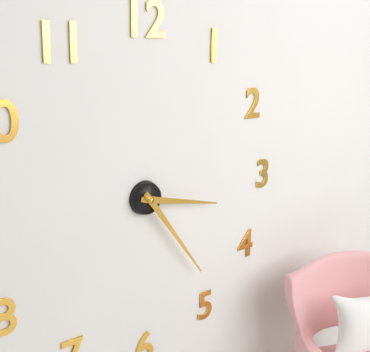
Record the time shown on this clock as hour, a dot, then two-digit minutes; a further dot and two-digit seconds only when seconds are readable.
3.24
